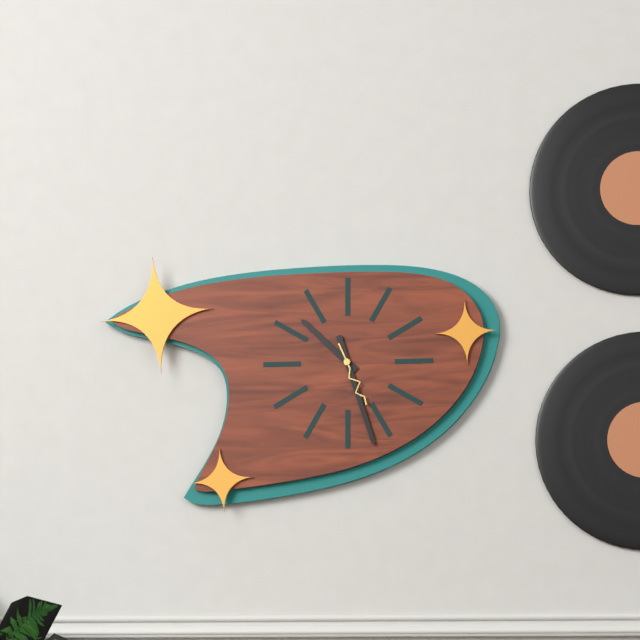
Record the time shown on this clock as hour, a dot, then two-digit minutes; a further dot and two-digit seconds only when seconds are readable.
10.27.26
